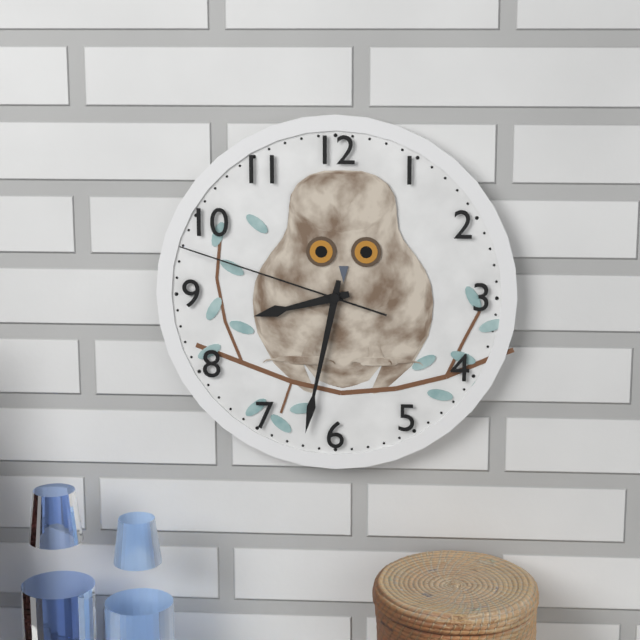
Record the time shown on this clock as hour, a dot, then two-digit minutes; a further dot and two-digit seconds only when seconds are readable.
8.32.48
